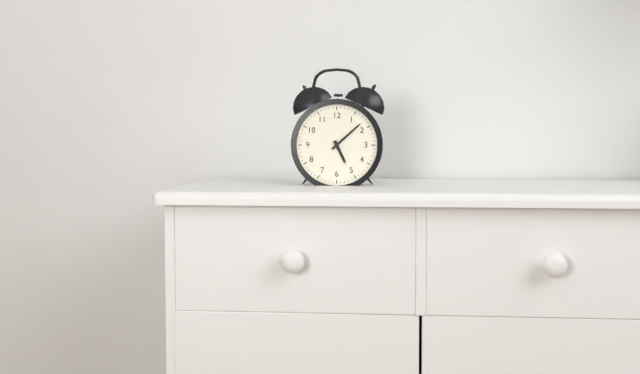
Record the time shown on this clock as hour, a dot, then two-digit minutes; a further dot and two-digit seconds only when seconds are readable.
5.08
